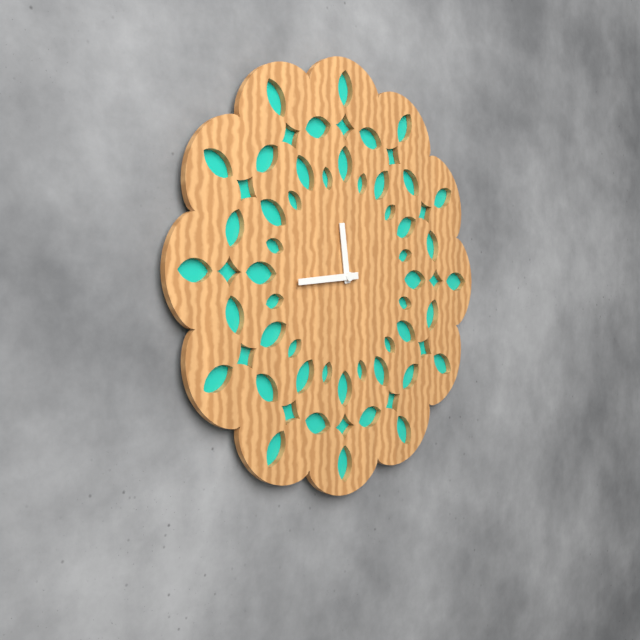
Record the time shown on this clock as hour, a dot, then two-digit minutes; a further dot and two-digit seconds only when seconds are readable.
11.44
